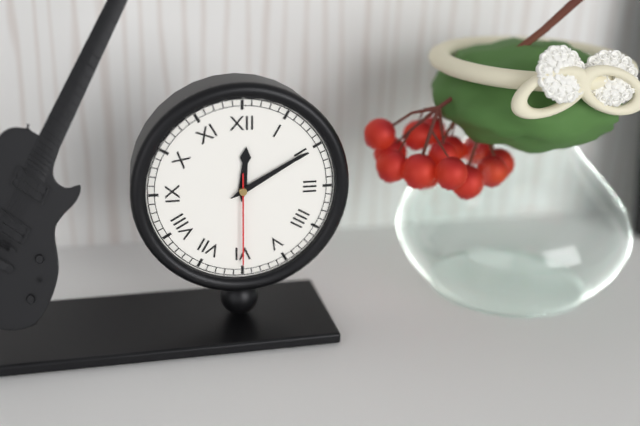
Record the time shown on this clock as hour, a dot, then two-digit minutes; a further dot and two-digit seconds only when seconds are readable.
12.10.30
